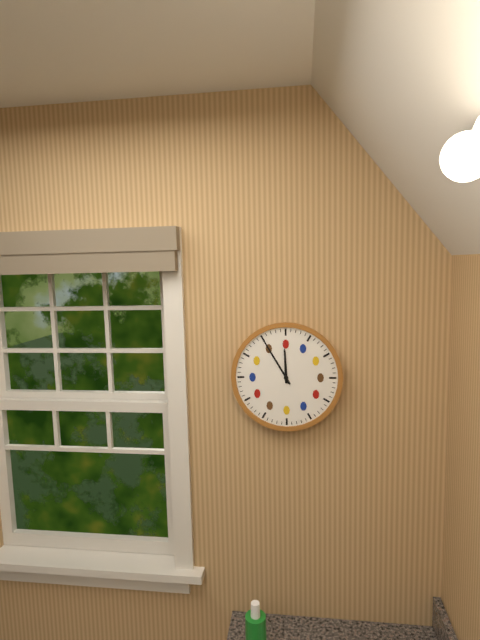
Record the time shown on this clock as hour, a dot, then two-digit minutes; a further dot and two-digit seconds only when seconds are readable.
11.55
